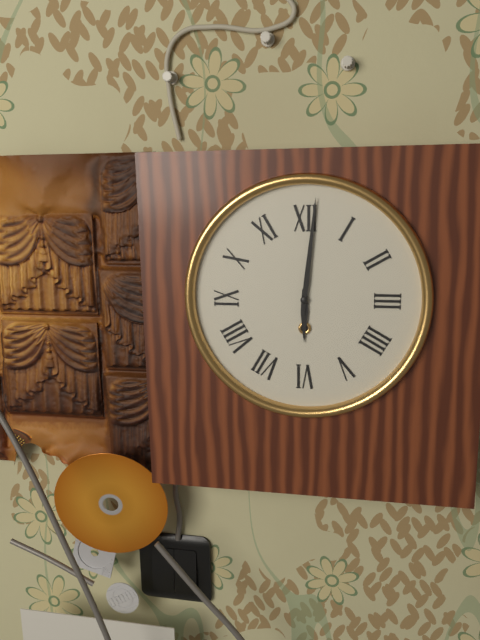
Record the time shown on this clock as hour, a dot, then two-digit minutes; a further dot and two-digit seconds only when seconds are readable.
6.01
